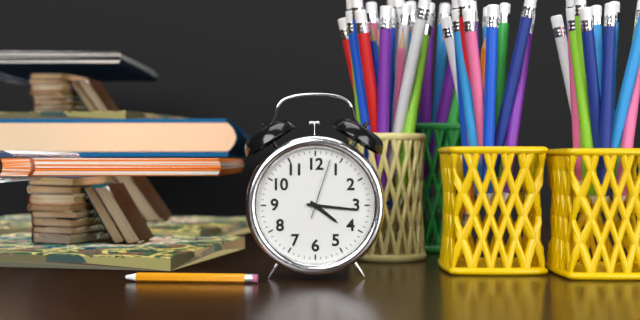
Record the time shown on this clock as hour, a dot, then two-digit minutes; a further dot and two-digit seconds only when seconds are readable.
4.16.03
